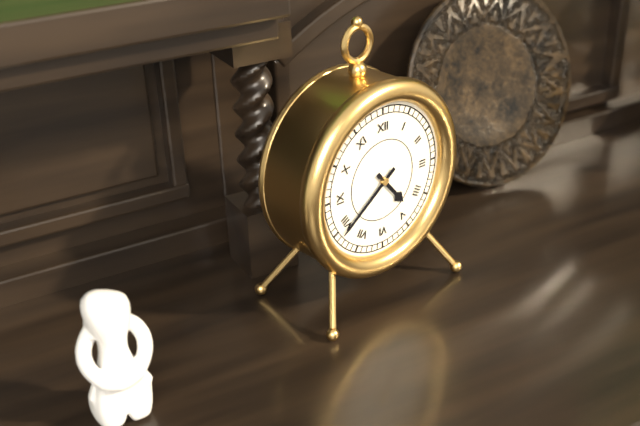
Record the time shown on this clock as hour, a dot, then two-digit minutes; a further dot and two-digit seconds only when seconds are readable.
4.39
